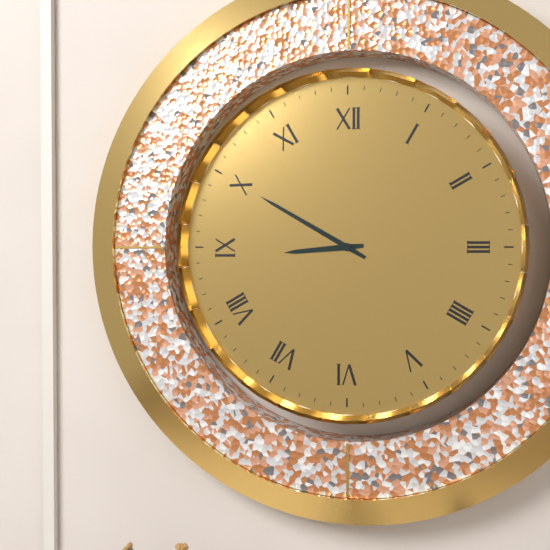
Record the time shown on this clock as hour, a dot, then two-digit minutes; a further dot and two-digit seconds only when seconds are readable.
8.50
